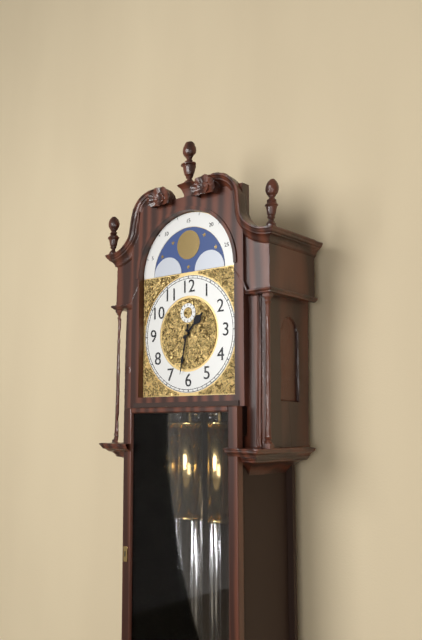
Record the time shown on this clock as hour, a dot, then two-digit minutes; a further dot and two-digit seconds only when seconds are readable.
1.32
